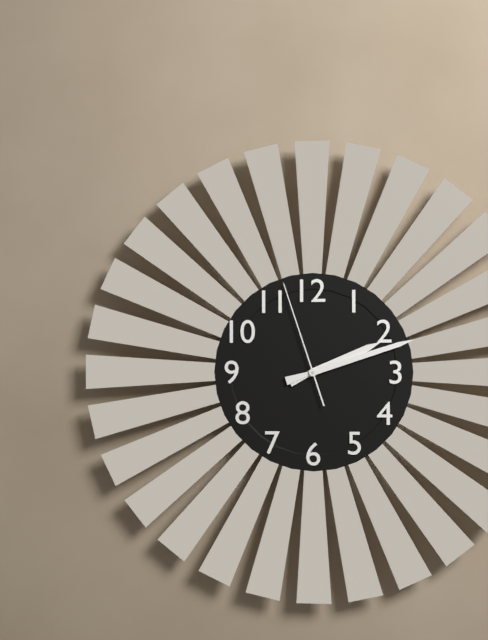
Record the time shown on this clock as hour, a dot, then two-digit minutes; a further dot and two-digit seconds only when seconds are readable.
2.12.57
